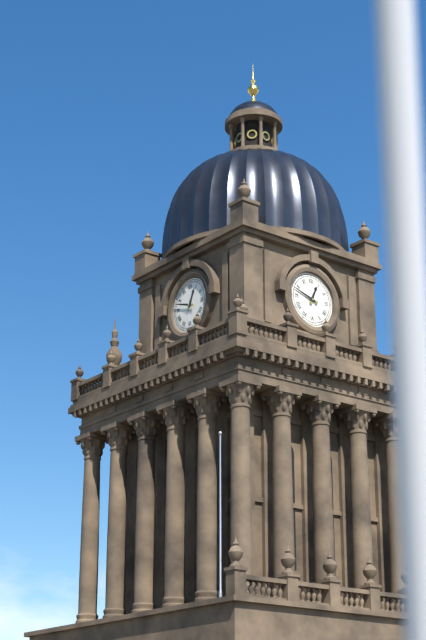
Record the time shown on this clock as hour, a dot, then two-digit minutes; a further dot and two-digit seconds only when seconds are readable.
12.48
